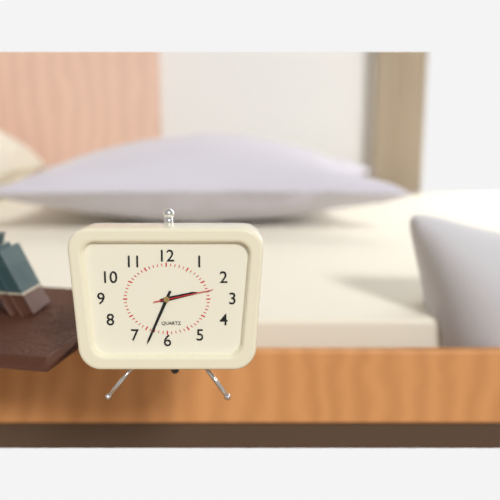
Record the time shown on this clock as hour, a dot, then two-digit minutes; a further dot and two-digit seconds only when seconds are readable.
2.34.13
